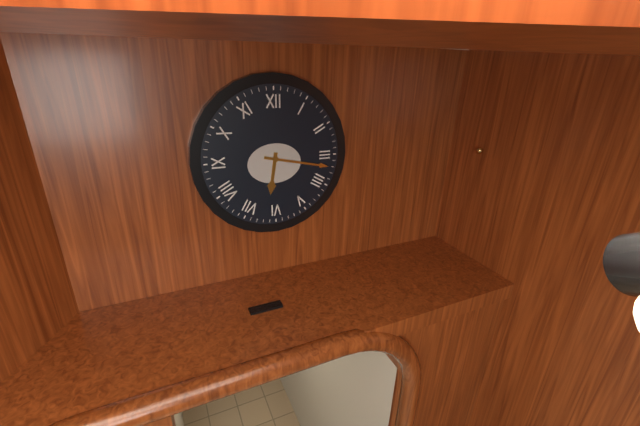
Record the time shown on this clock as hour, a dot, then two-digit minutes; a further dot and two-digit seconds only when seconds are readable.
6.17
